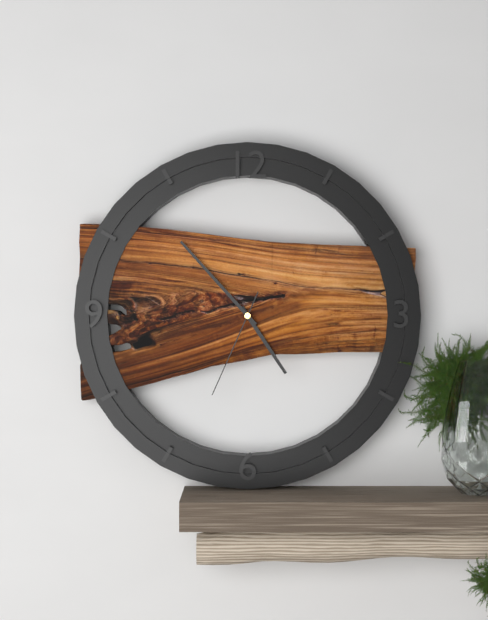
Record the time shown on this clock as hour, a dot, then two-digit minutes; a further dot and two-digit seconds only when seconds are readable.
4.53.34
